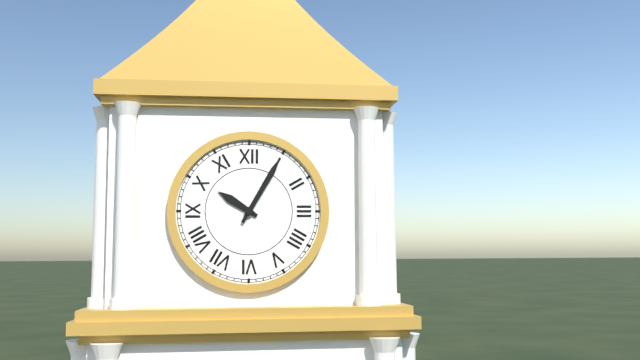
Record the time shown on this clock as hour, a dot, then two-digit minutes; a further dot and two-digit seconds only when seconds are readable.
10.05
